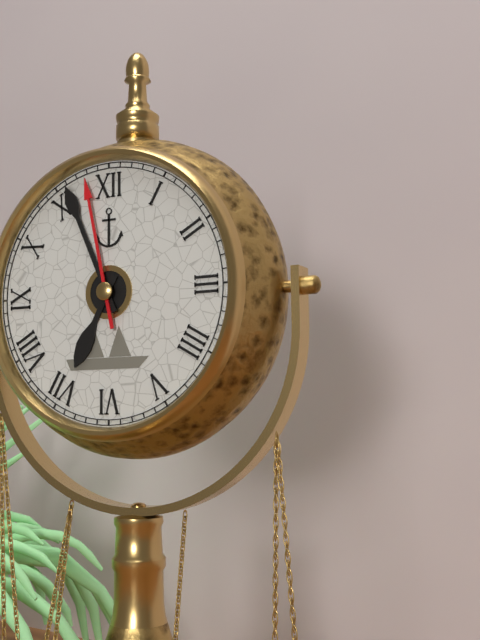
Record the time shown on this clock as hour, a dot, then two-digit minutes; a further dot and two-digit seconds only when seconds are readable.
6.56.58
